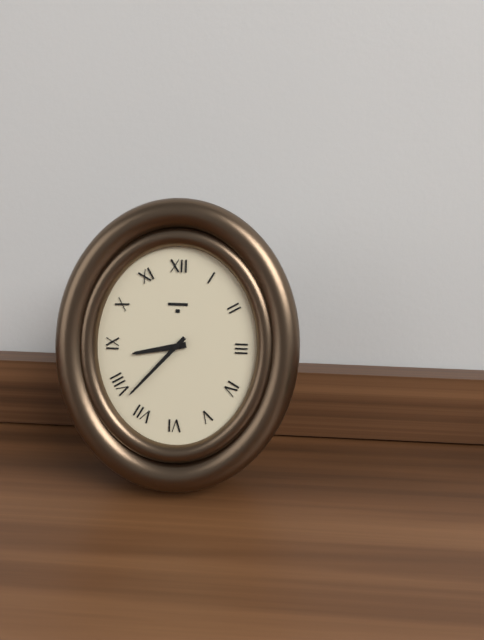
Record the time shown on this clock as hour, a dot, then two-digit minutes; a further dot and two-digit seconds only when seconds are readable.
8.37
